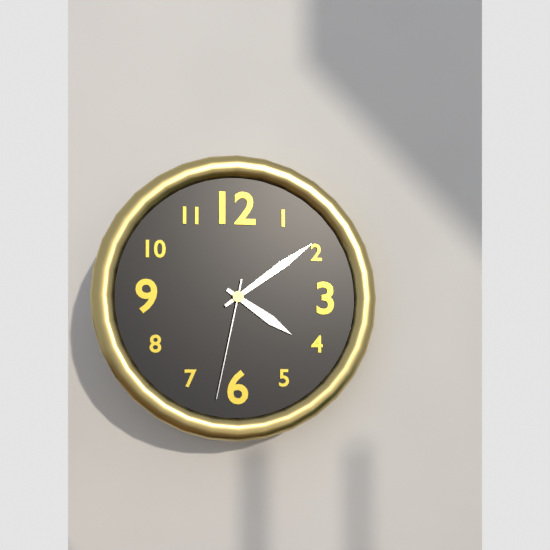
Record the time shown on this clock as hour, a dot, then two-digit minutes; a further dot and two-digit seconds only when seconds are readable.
4.09.32
